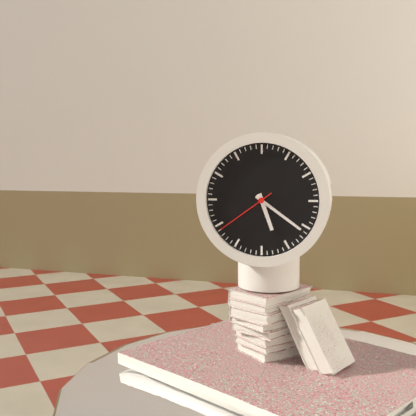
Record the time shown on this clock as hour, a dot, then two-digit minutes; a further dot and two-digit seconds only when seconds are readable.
5.21.39
